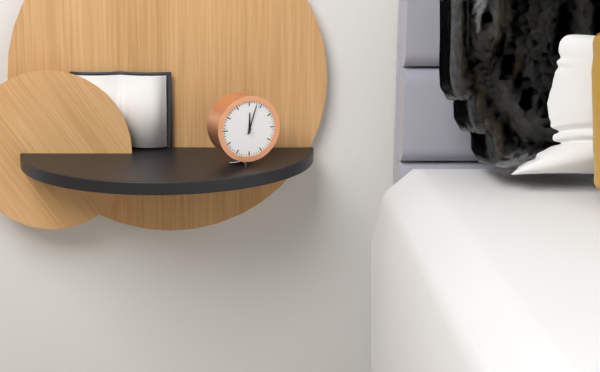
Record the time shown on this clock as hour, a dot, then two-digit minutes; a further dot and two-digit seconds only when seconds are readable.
12.03
